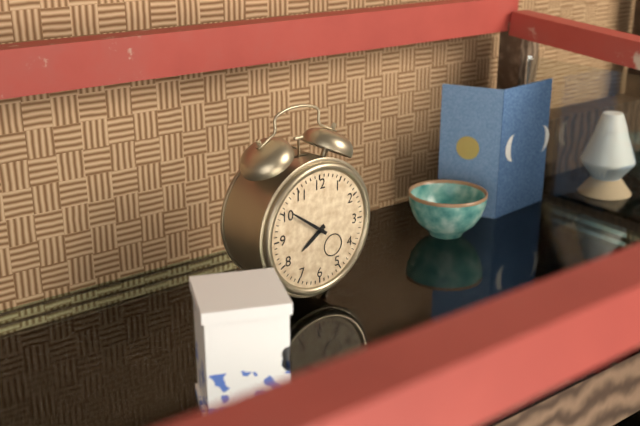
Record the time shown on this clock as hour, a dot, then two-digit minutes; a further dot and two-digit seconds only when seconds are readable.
7.51
